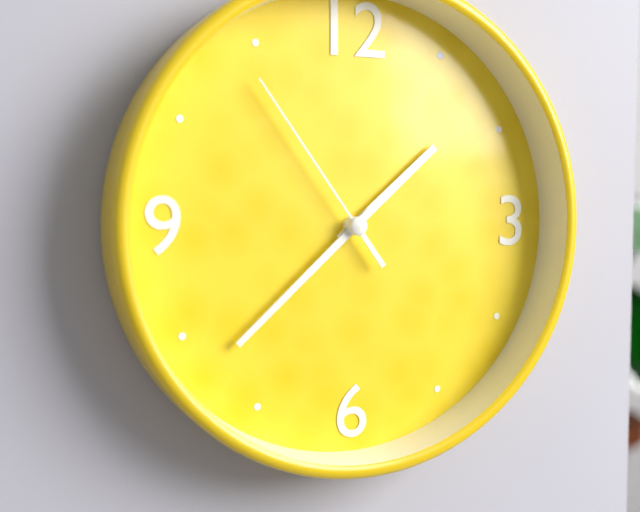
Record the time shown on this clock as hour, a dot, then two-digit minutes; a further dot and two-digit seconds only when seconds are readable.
1.38.54
